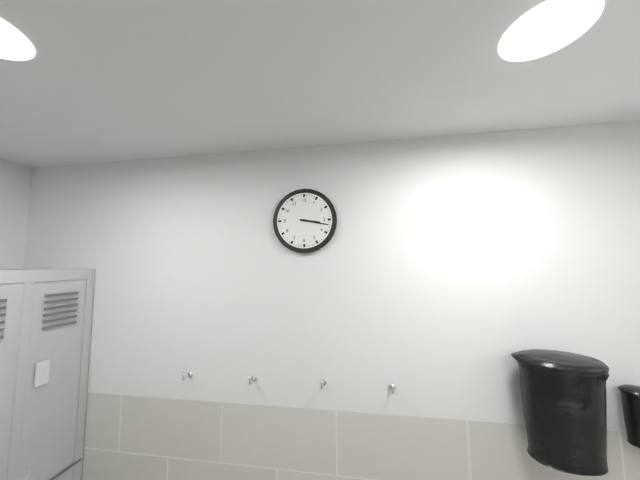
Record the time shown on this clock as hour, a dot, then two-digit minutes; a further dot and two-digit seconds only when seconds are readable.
3.17
